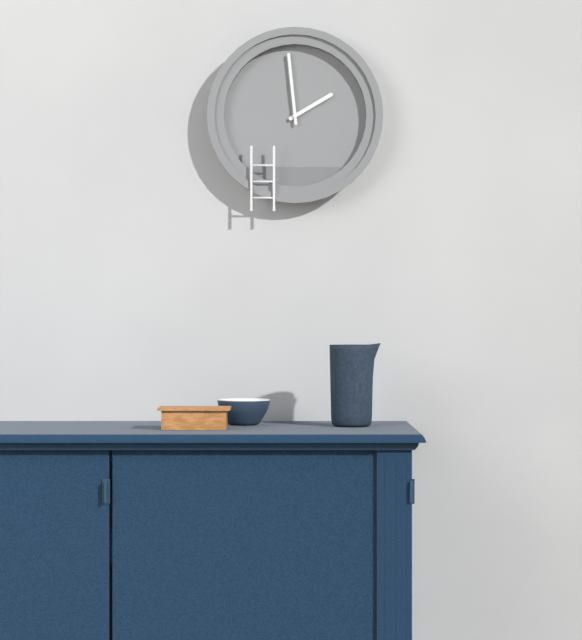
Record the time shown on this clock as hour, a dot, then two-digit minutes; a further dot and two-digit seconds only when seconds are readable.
1.59
